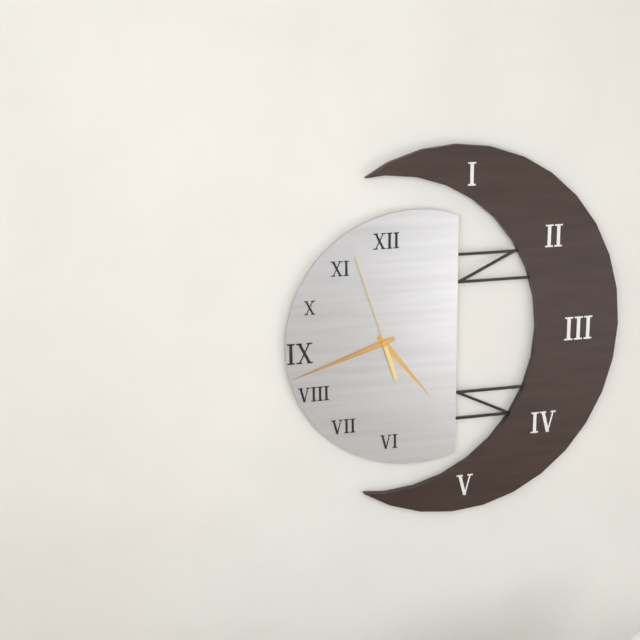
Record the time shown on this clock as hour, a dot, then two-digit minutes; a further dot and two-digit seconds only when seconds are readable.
4.42.57
